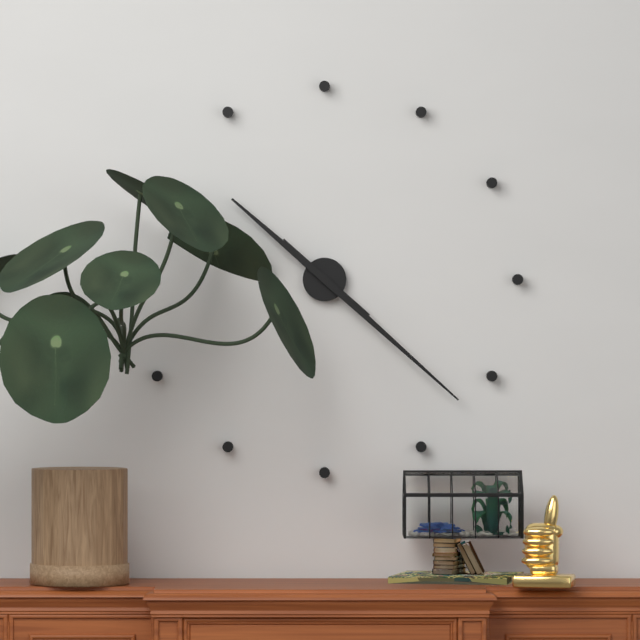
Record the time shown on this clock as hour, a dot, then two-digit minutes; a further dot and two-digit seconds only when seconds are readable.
10.22
